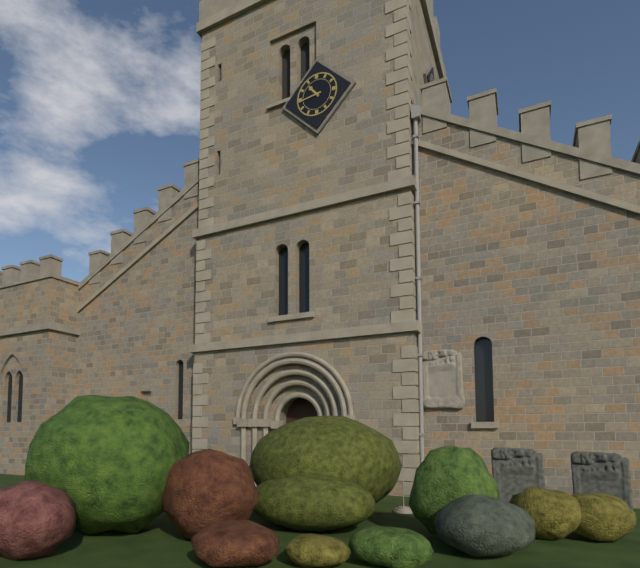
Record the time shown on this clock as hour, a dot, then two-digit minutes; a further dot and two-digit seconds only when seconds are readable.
10.44
